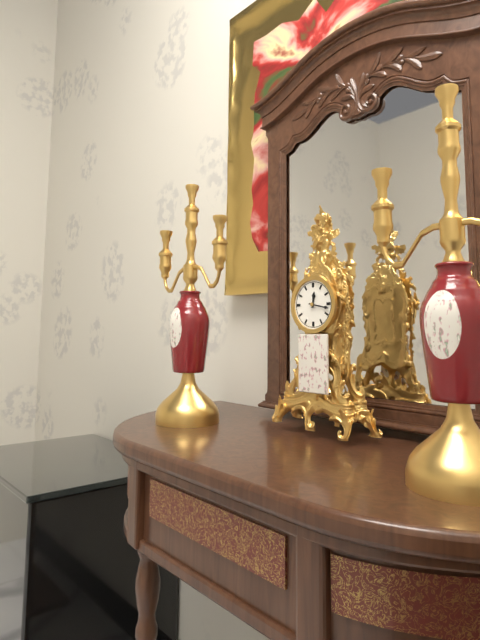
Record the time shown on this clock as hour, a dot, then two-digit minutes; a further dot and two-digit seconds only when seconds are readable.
12.17
